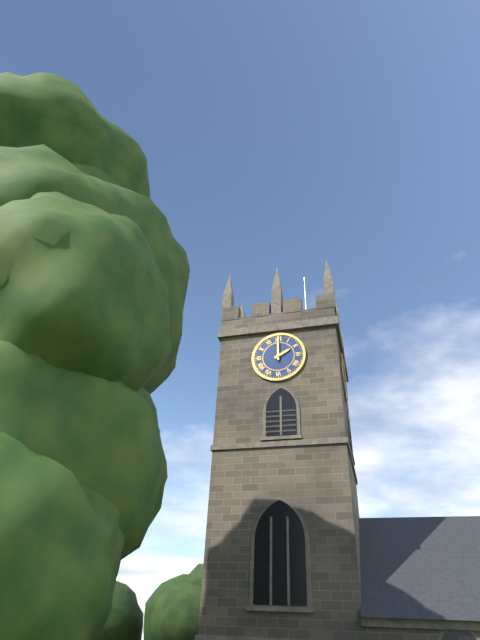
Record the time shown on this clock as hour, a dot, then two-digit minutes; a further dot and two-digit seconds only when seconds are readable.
2.00
